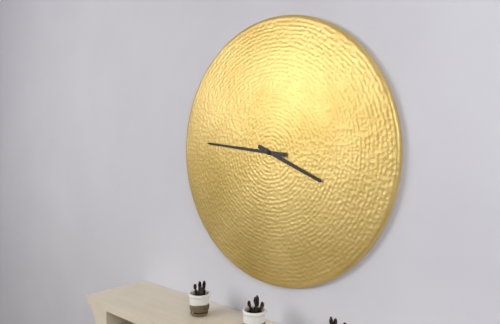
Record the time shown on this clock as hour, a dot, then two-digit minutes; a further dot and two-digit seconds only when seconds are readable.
3.46
